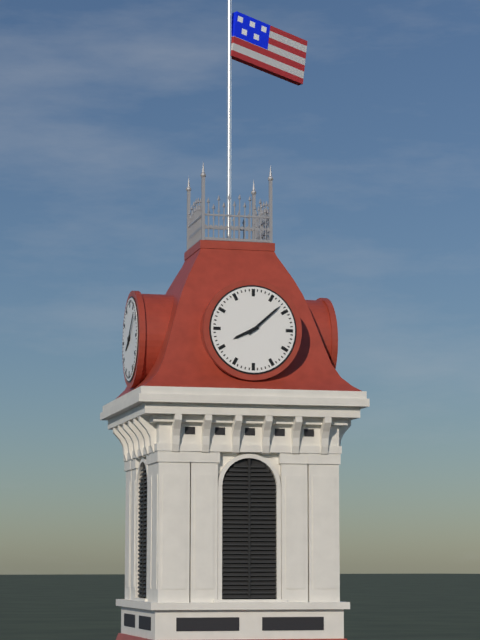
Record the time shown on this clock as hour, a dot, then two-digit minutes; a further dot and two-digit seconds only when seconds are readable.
8.08
